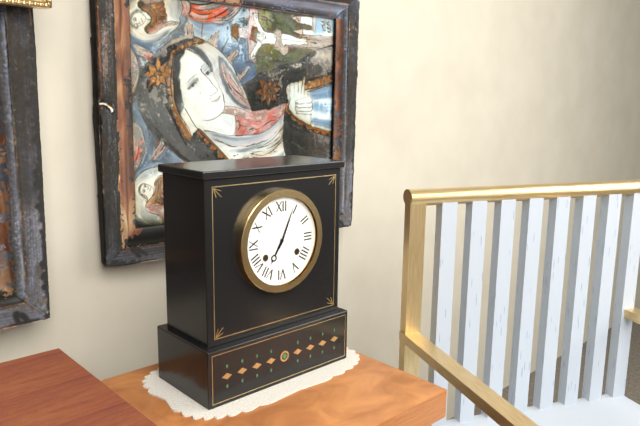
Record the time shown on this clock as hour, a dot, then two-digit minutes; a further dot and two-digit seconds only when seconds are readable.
7.04
